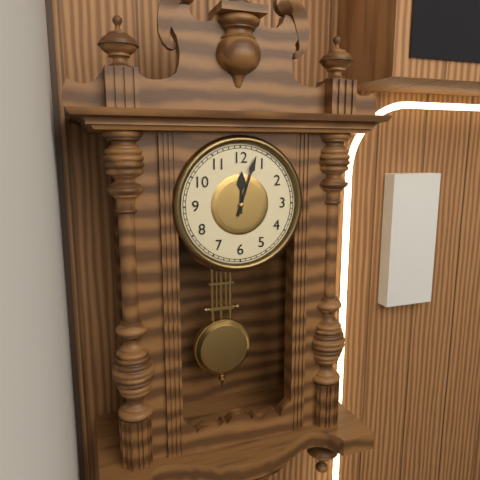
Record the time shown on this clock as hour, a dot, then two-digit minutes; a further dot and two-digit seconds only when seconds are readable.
12.03
